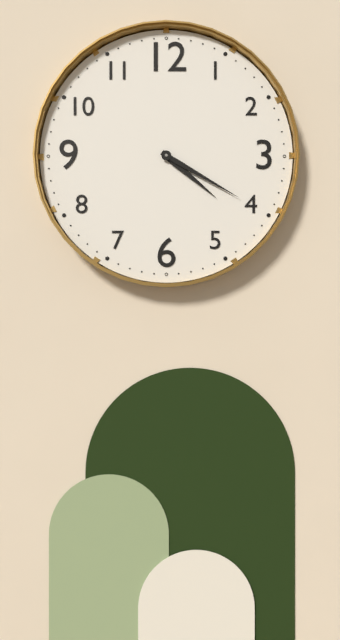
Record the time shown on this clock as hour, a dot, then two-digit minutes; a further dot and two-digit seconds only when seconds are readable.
4.20
